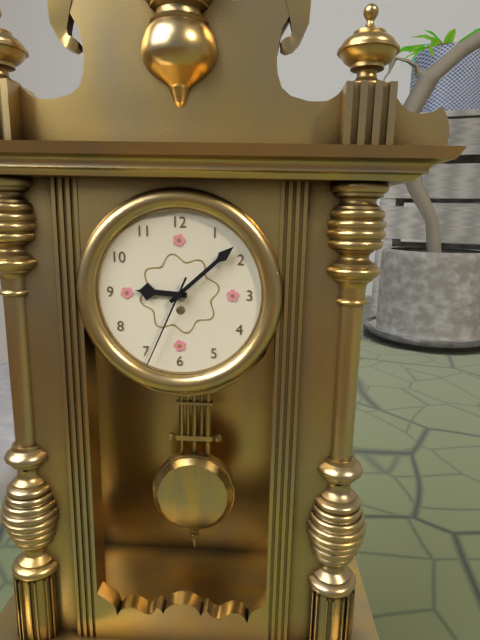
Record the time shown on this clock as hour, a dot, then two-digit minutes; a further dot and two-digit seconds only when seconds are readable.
9.08.34
